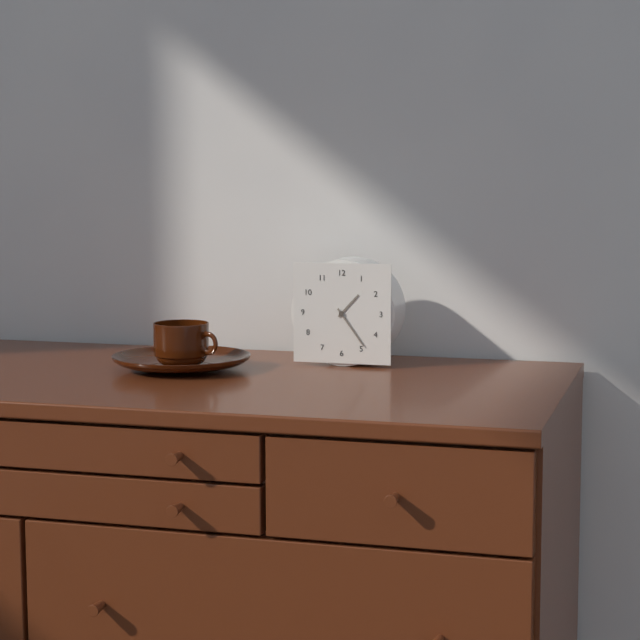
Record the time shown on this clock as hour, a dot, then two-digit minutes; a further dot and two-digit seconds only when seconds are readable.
1.24
